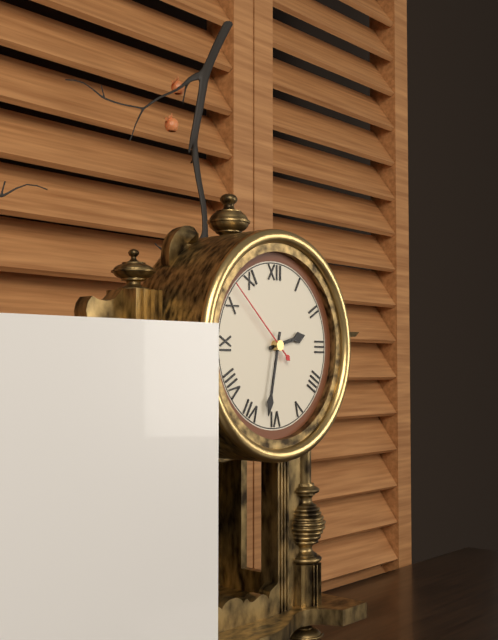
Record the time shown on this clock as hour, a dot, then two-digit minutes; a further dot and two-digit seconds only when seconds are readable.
2.32.52
